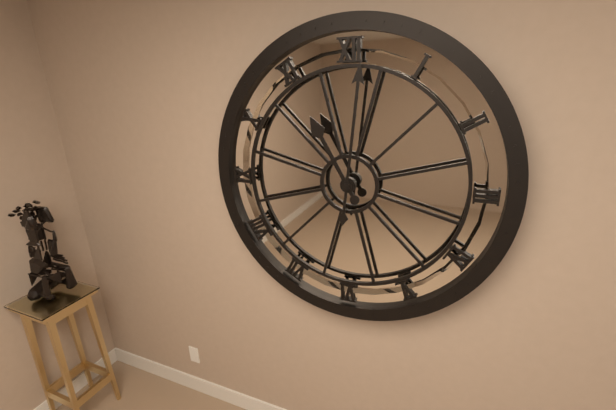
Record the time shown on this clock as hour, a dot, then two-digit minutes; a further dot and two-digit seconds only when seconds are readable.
11.01
